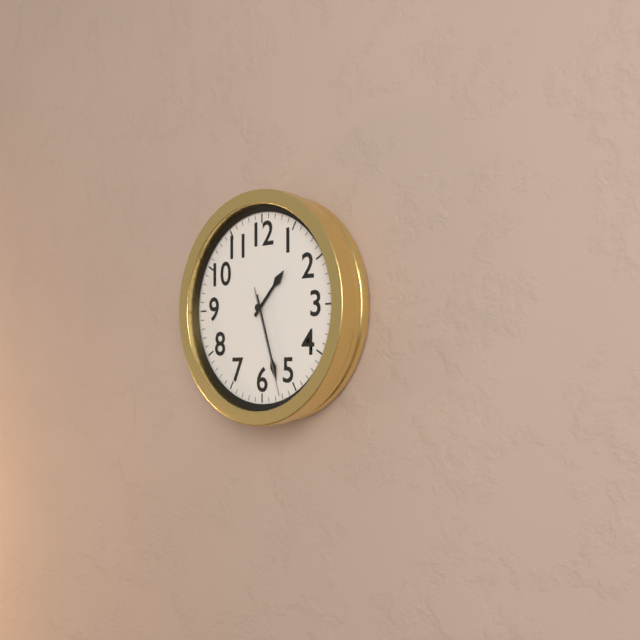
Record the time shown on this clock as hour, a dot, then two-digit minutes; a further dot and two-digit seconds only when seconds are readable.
1.27.27
